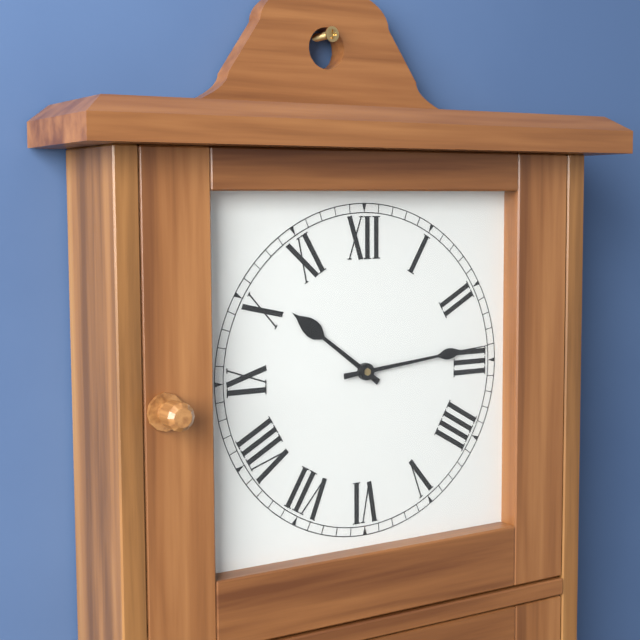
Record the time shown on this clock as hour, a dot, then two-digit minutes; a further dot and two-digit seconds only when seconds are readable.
10.14
